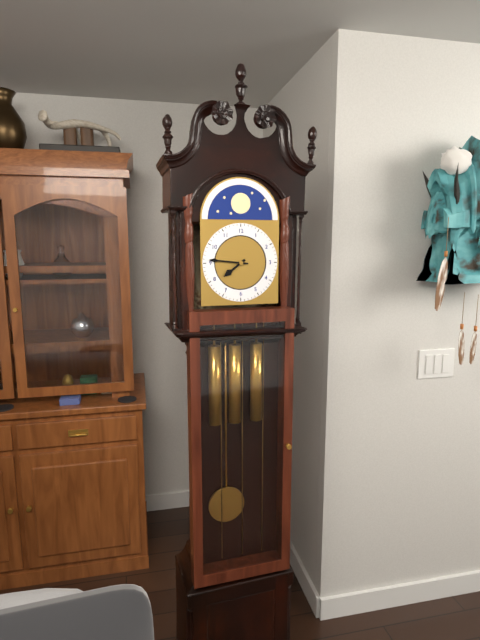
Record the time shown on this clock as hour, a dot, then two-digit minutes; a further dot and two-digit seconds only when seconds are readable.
7.46
